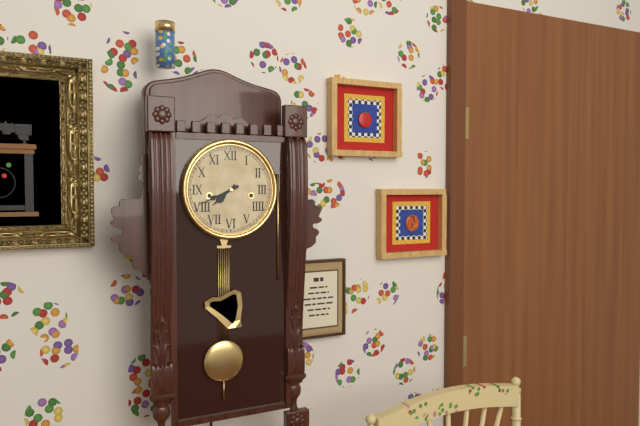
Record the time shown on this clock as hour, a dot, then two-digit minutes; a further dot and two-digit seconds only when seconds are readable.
7.41
